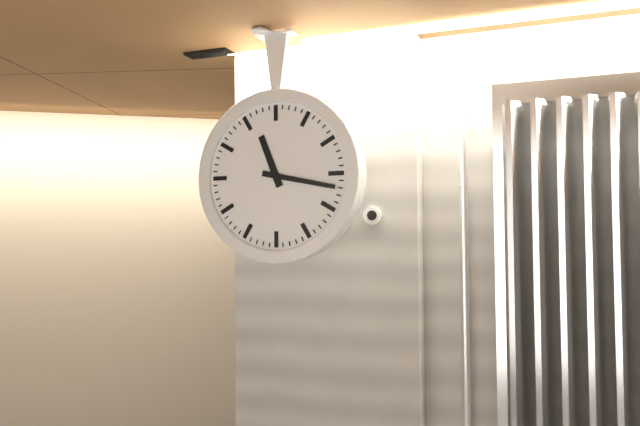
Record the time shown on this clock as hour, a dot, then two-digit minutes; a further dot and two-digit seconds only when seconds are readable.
11.17
